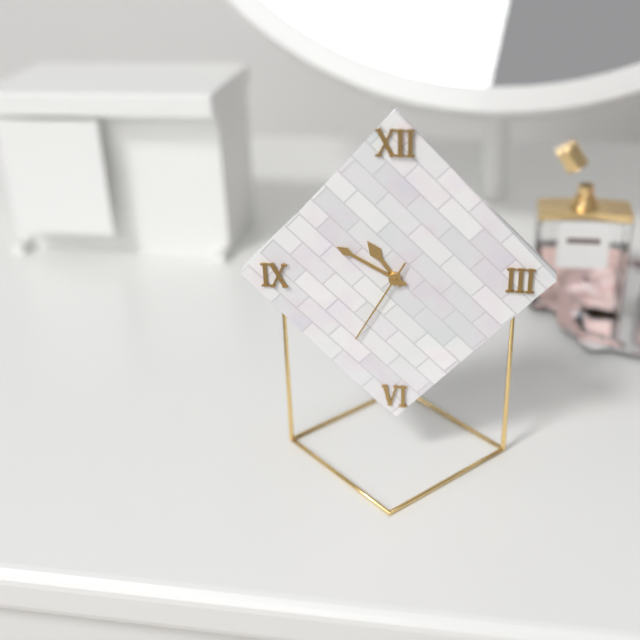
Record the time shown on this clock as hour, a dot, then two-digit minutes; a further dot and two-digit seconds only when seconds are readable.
10.50.35
